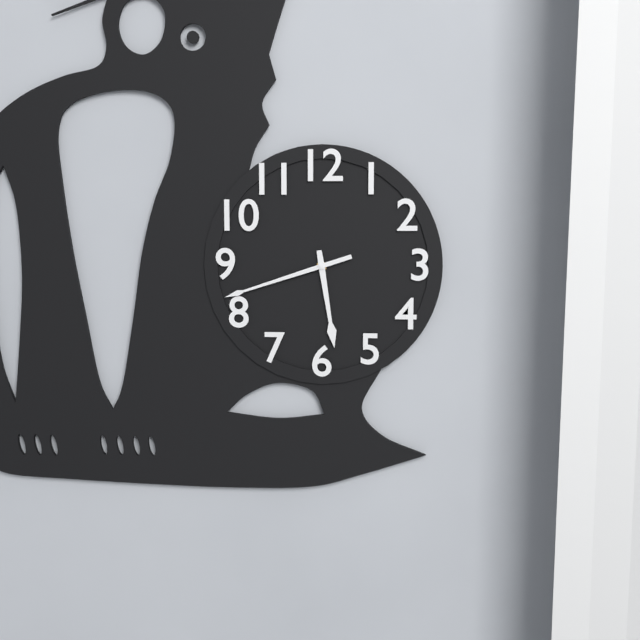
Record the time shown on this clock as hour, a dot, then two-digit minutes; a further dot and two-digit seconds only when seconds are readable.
5.42
